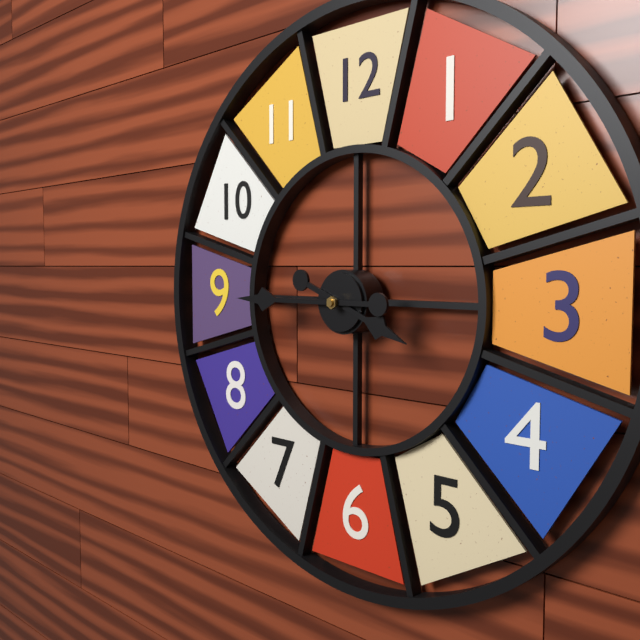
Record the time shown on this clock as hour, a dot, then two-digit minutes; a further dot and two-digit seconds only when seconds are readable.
3.45
